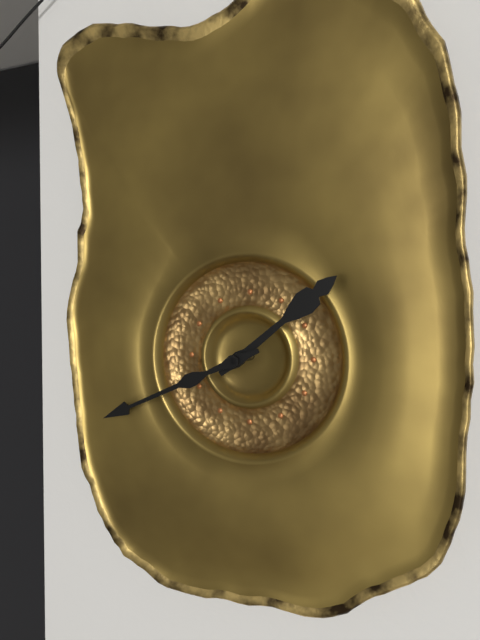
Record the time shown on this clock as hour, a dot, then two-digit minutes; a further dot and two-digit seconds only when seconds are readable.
1.41
